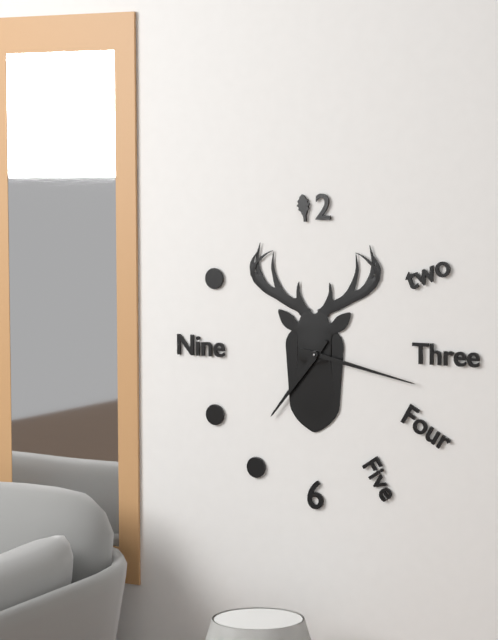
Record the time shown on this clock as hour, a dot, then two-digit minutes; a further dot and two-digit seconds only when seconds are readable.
7.17
